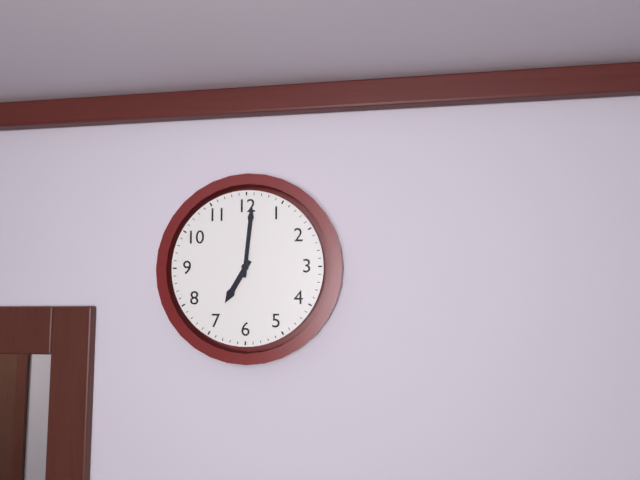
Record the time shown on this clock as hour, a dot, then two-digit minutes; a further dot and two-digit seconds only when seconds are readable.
7.01
